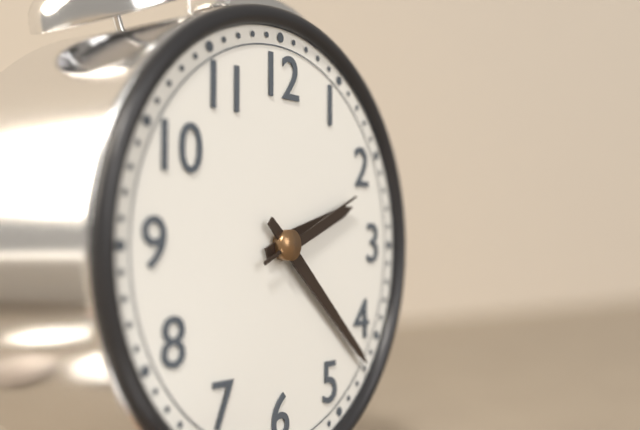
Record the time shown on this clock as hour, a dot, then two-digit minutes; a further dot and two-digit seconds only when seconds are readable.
2.22.11
